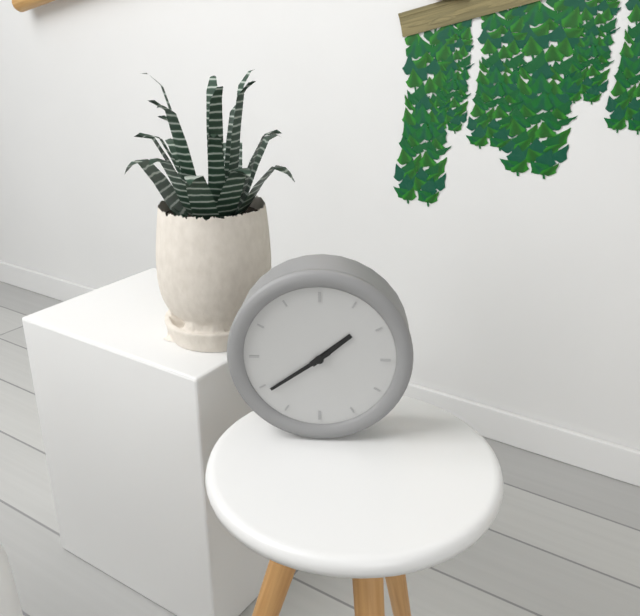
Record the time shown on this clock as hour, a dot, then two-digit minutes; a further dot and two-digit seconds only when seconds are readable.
1.39
